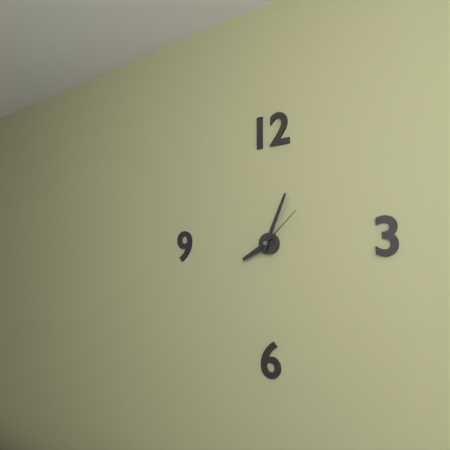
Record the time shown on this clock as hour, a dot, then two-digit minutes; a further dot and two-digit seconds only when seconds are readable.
8.04.08
